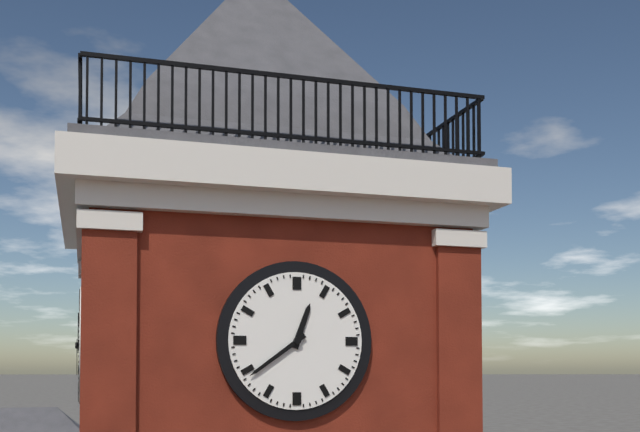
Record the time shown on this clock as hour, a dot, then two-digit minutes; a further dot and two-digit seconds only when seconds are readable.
12.39
